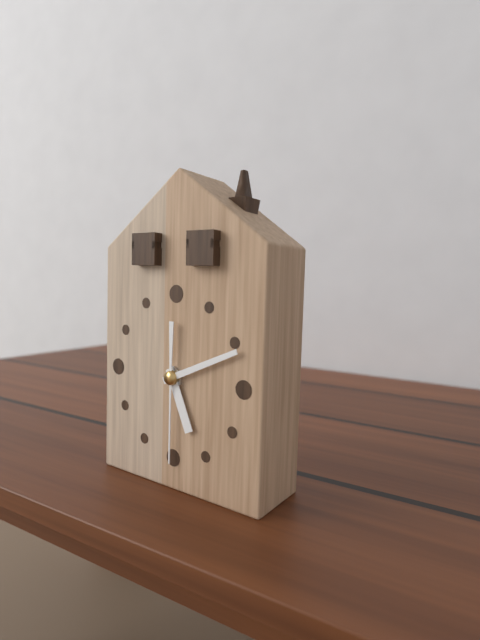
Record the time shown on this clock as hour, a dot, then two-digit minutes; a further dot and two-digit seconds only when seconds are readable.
5.11.30
